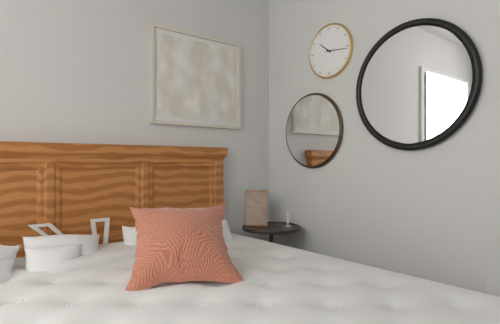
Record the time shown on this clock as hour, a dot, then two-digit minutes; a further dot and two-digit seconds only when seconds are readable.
10.16
